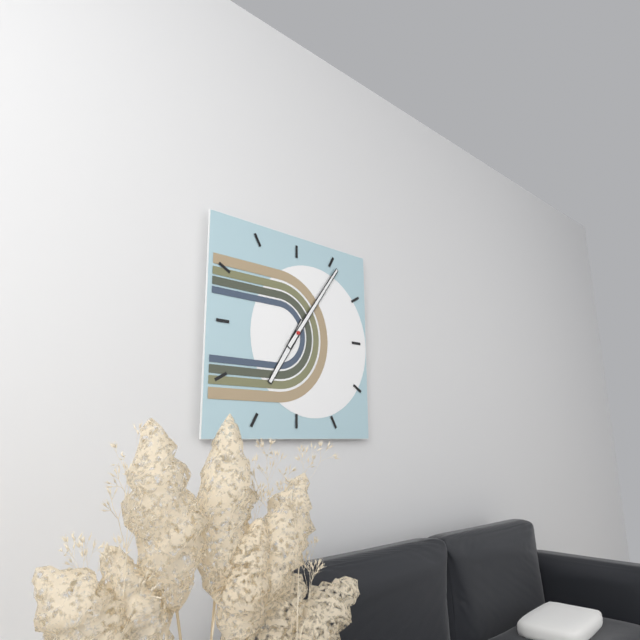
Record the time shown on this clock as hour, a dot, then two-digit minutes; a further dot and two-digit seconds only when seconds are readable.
7.06
